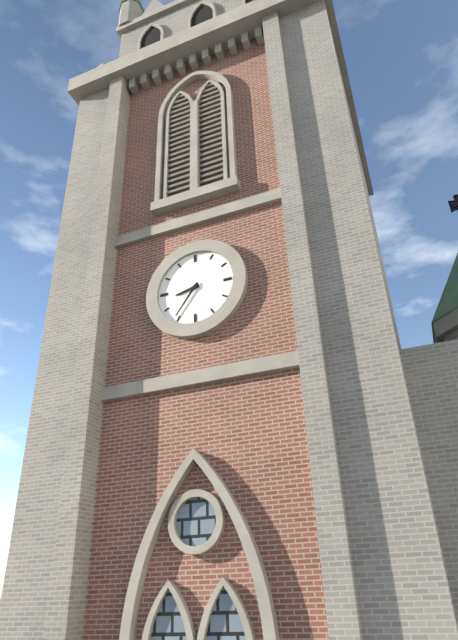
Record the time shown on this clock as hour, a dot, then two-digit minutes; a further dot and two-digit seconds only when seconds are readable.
8.36
